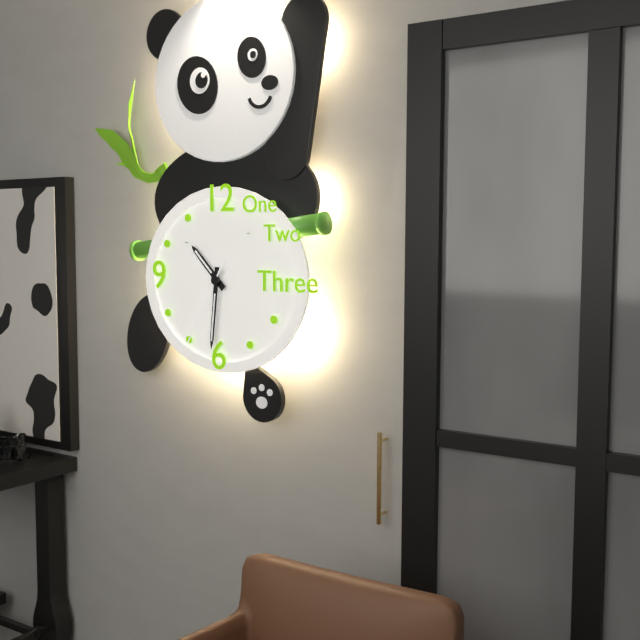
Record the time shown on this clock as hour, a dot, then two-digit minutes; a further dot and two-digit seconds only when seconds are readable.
10.31.35
